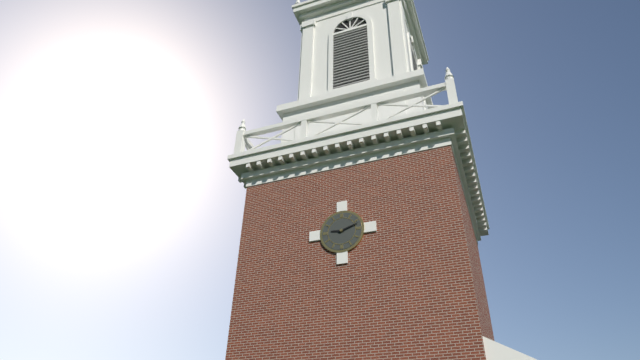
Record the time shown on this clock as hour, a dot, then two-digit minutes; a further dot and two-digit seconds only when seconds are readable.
9.12
